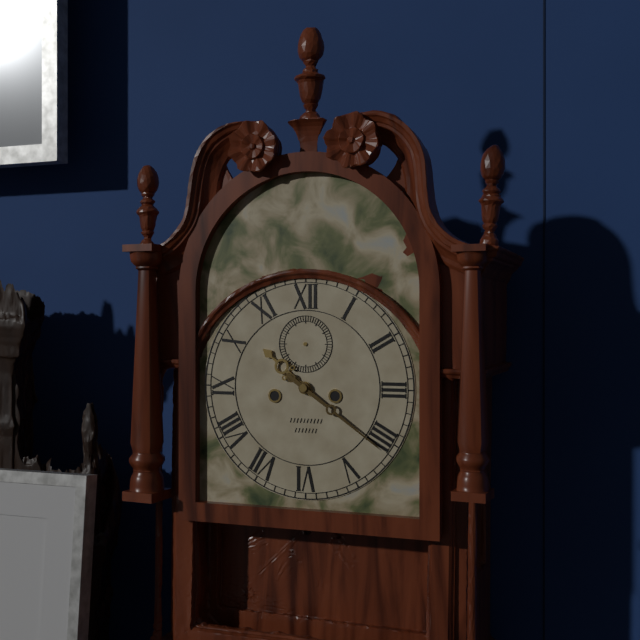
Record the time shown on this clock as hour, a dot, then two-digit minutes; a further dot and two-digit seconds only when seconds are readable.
10.21
